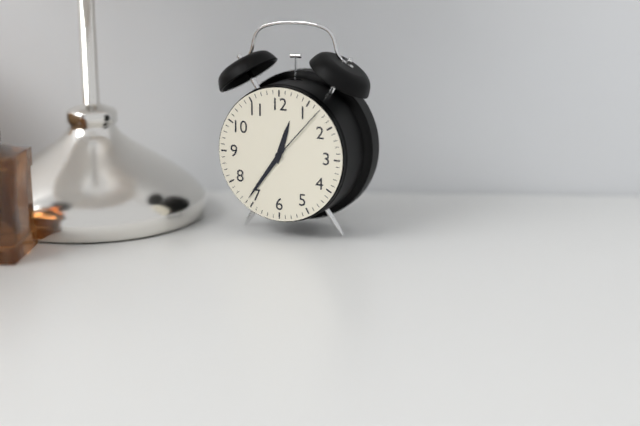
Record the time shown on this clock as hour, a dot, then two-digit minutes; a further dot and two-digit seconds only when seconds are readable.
12.36.07
